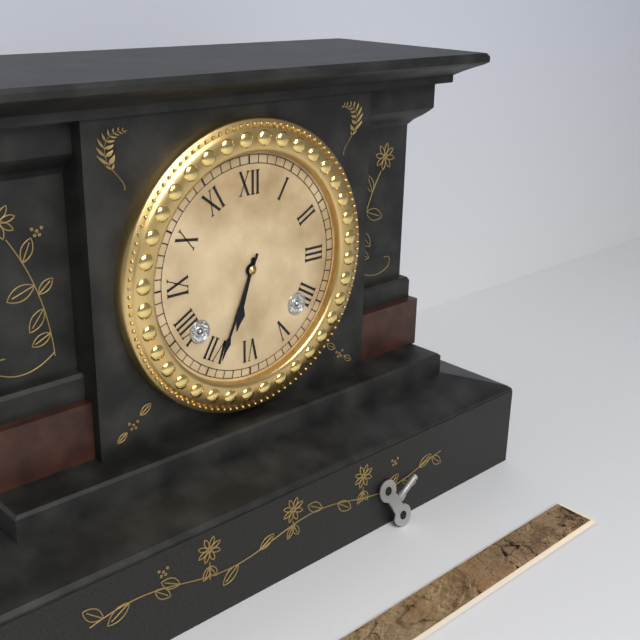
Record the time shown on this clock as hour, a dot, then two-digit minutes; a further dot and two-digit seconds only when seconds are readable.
6.34
